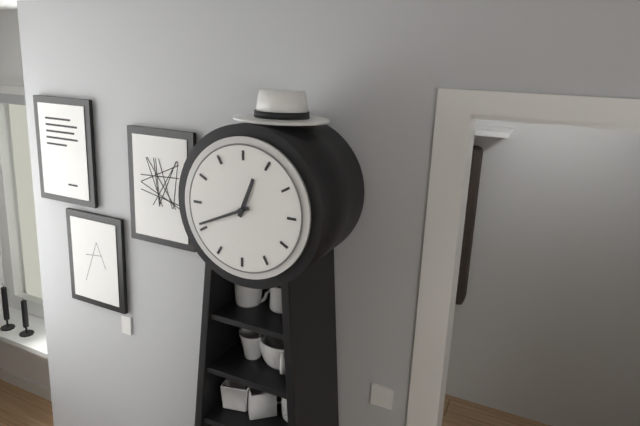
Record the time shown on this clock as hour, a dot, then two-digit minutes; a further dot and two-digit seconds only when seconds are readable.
12.41
